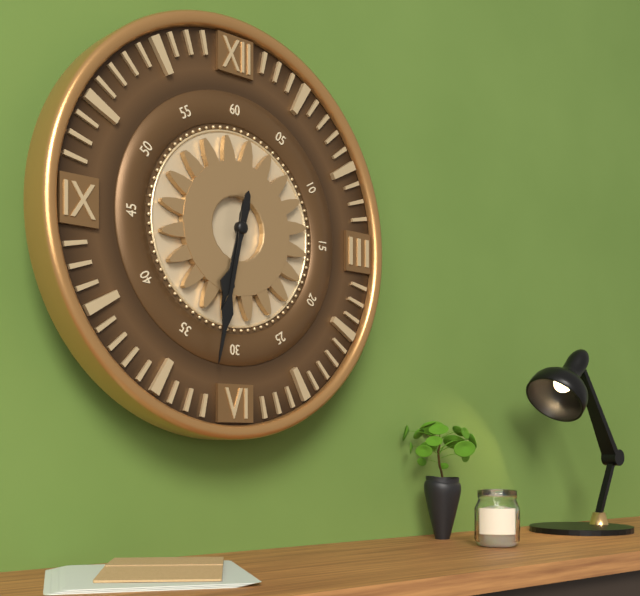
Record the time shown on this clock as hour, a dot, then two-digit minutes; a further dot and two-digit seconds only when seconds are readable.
6.32
